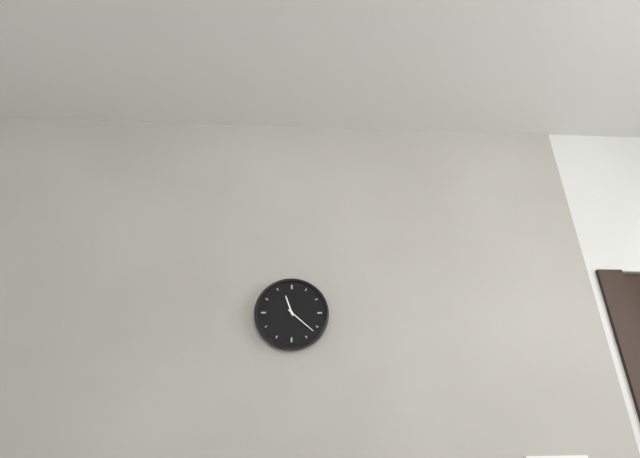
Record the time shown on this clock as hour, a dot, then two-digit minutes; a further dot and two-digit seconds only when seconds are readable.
11.22
